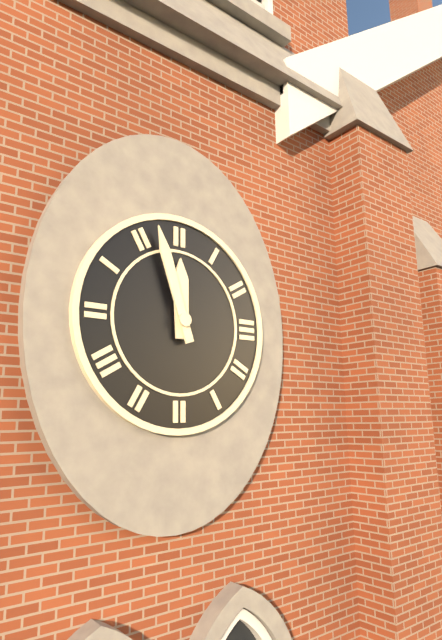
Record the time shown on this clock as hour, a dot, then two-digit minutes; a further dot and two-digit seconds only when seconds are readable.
11.57
